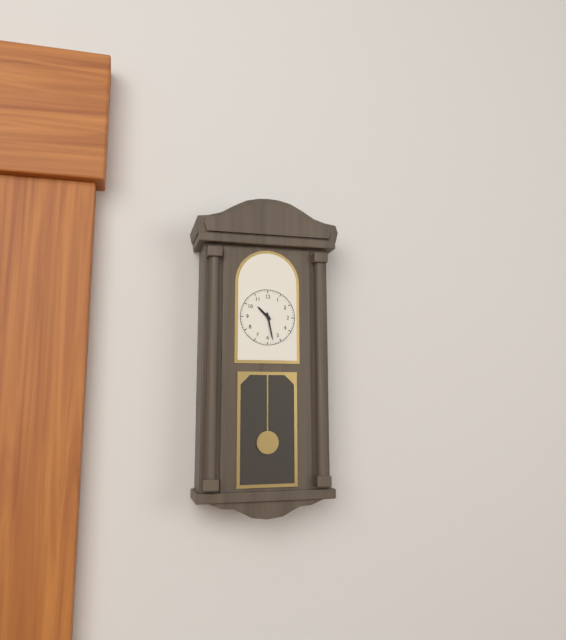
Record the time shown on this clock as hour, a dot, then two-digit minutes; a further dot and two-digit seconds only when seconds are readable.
10.28
